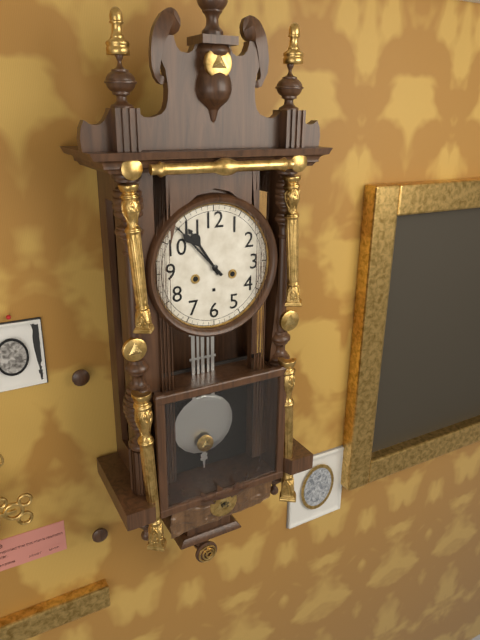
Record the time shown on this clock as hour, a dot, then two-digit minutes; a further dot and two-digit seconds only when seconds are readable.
10.53
